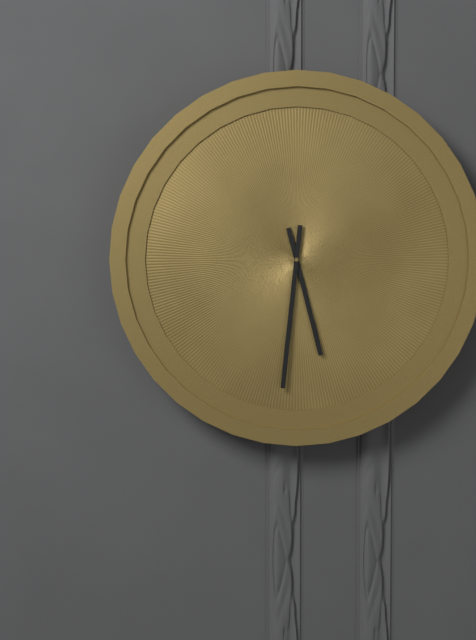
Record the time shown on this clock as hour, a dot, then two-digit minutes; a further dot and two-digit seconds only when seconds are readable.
5.31
